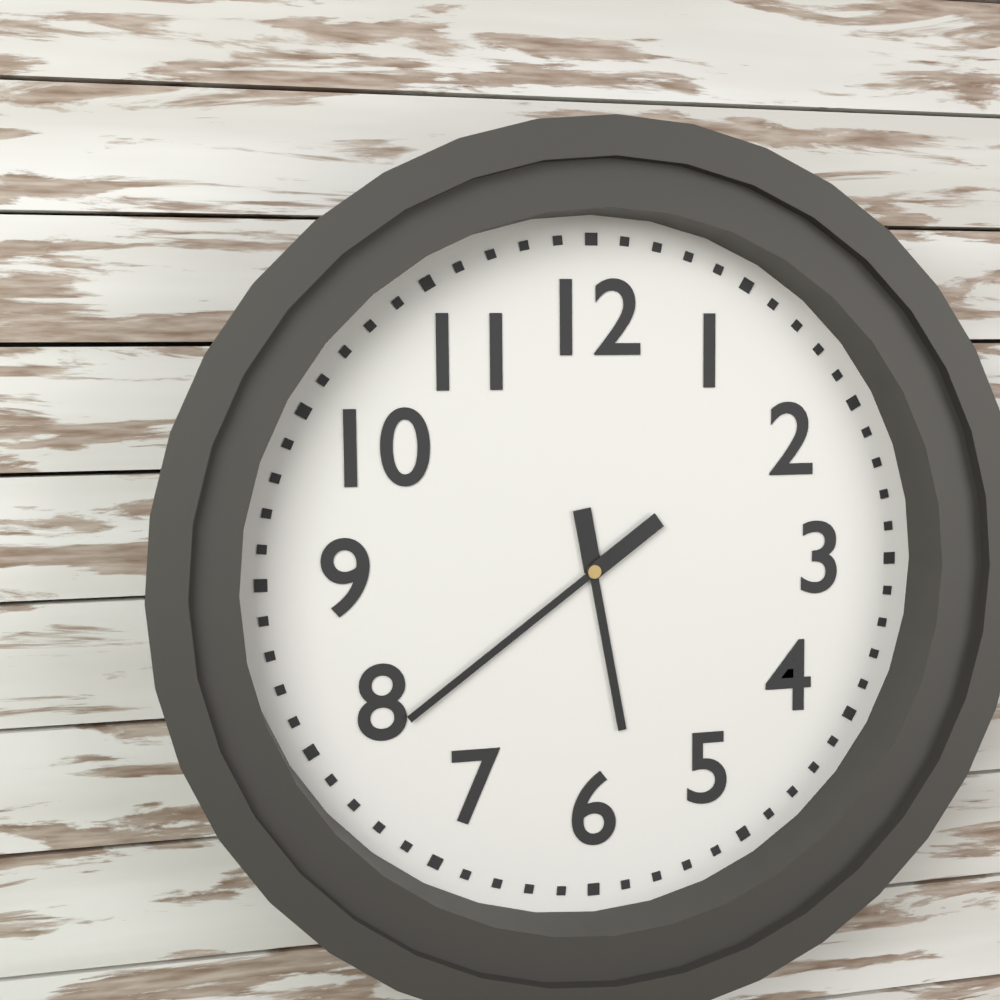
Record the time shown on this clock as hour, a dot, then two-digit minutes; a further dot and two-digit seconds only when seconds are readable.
5.39
